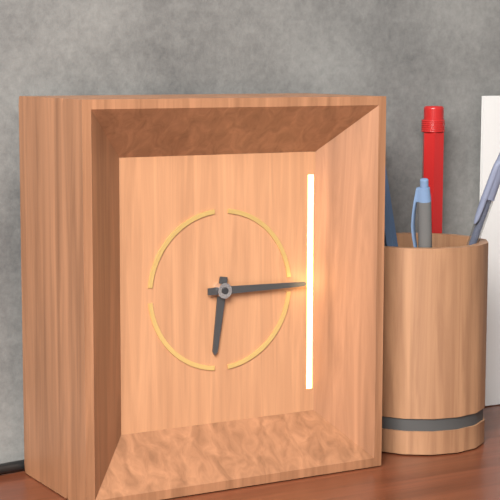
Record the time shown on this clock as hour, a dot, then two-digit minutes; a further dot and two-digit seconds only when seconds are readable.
6.15
